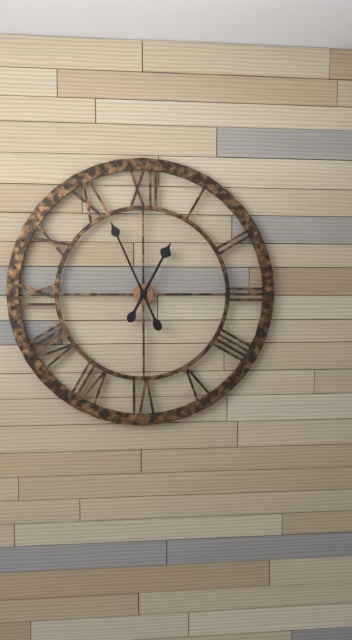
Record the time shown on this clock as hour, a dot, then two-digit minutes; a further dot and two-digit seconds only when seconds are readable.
12.56
